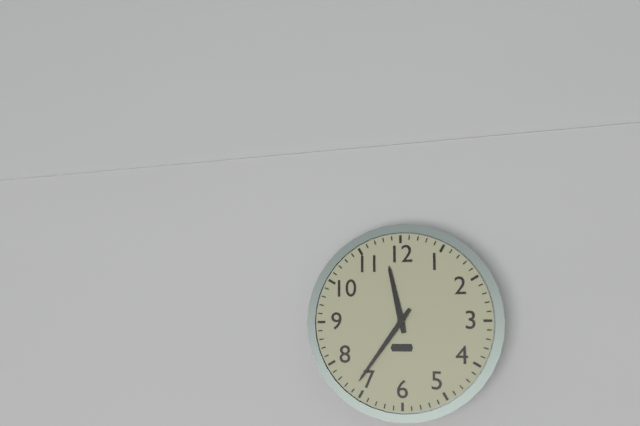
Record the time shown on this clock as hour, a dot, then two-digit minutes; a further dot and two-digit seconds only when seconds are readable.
11.36
